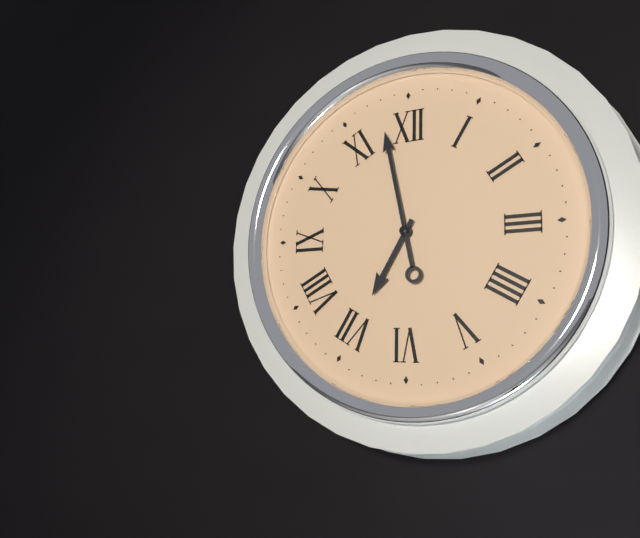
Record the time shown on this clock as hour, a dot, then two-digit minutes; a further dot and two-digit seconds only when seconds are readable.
6.58
